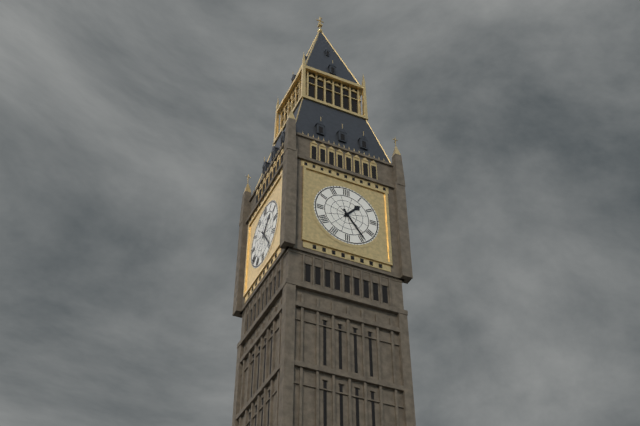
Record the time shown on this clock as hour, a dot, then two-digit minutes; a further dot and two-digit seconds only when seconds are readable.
1.24
